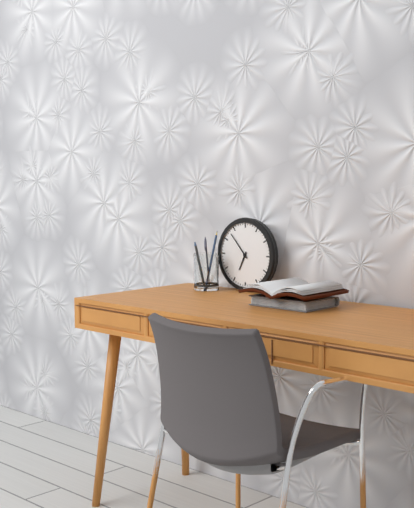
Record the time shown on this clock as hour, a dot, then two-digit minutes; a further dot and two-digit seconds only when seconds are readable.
6.53
